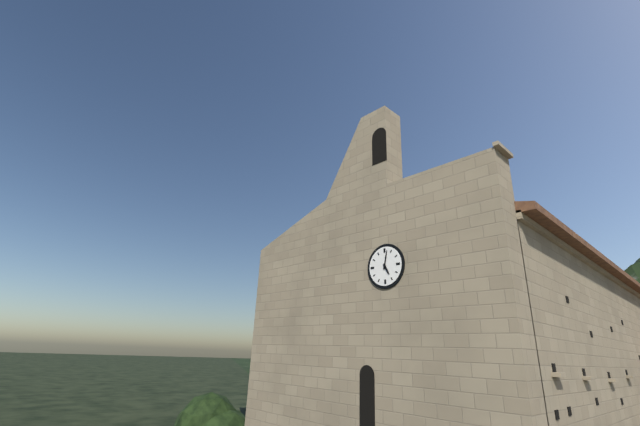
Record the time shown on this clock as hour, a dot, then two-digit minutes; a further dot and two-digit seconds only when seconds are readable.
5.02
